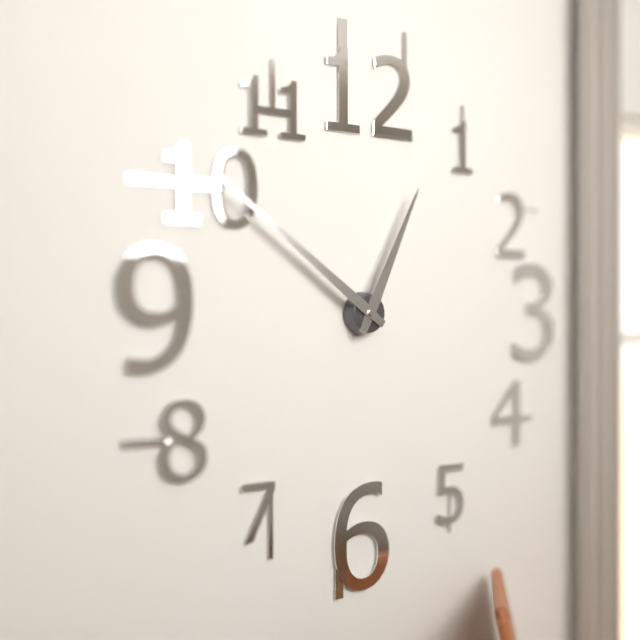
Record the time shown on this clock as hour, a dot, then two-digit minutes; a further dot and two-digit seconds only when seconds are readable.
12.51
